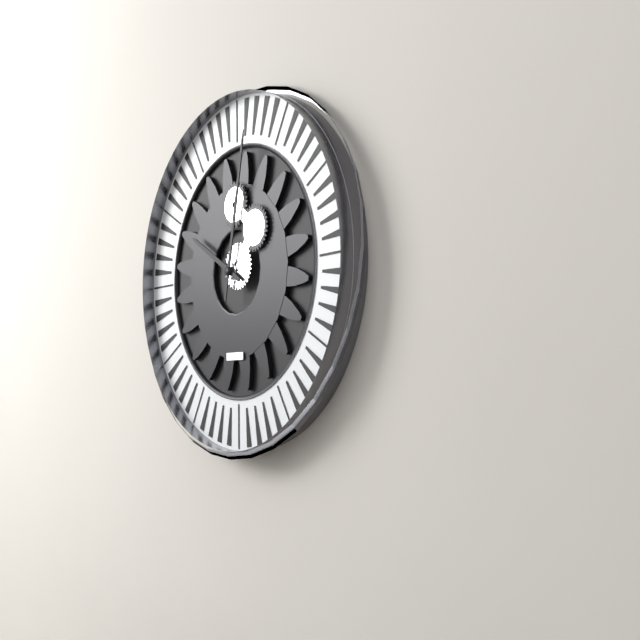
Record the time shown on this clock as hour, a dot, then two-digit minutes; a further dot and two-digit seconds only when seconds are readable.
10.02
